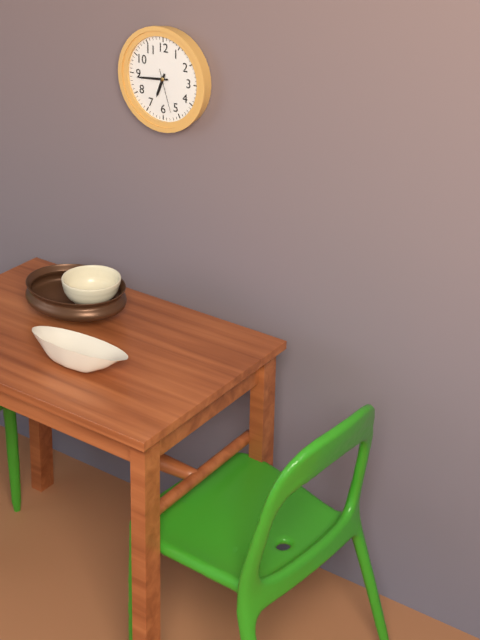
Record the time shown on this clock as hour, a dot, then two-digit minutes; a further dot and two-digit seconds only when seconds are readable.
6.44
